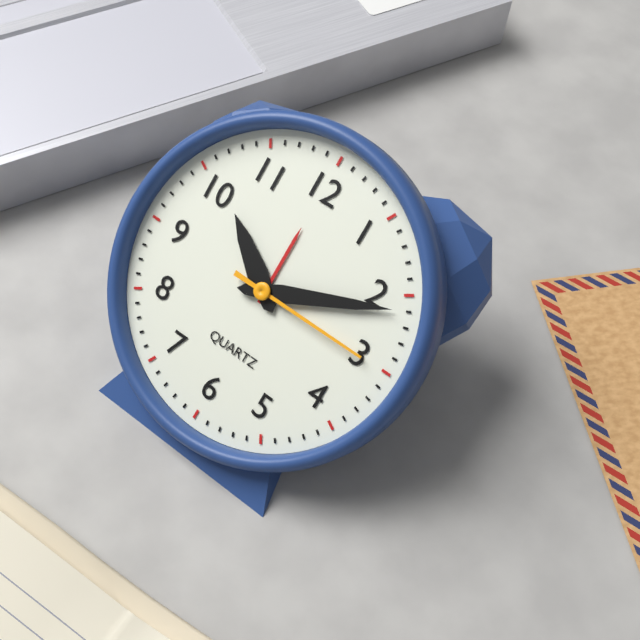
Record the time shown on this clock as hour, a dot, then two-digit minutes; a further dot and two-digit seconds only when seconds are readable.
10.11.15
